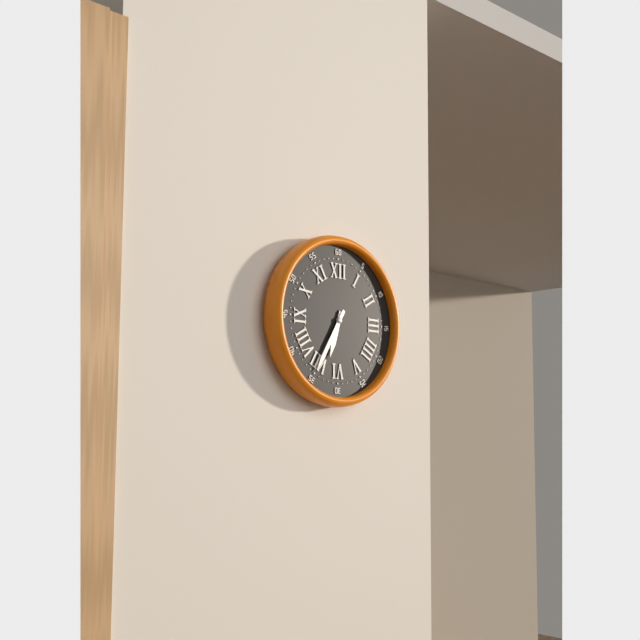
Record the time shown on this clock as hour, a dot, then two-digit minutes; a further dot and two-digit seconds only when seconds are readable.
6.35
